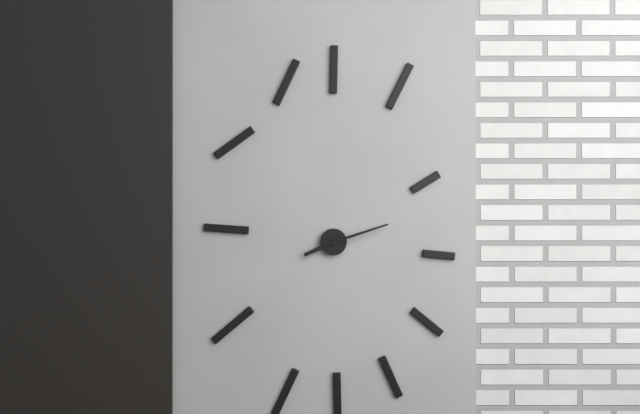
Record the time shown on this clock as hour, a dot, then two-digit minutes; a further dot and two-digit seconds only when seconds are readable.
8.12
